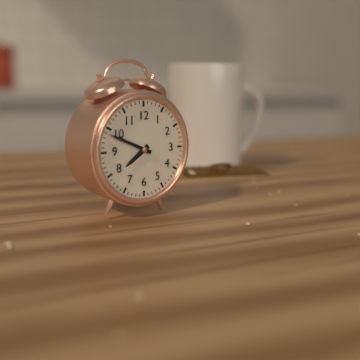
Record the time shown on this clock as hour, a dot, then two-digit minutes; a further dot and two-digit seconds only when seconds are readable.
7.49
